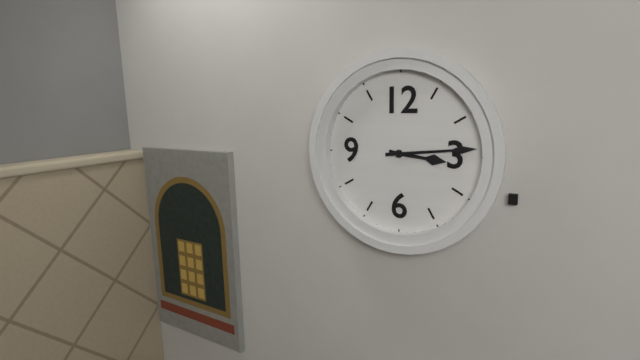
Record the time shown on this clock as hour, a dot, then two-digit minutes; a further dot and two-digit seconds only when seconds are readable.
3.14
